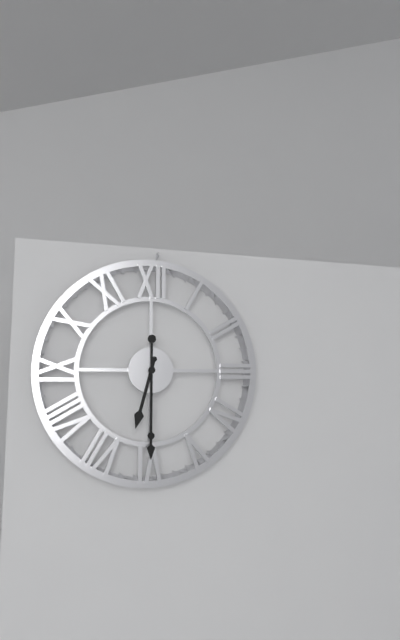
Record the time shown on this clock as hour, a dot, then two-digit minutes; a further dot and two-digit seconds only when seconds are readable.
6.30
